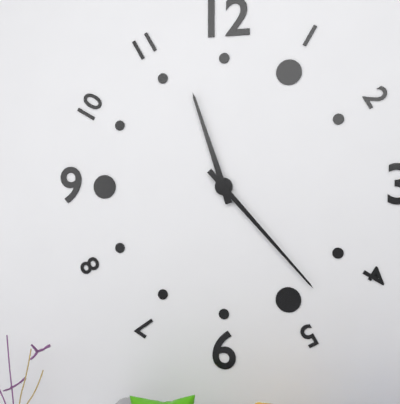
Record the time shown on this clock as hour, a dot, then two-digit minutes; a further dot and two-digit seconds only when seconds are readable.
11.23
